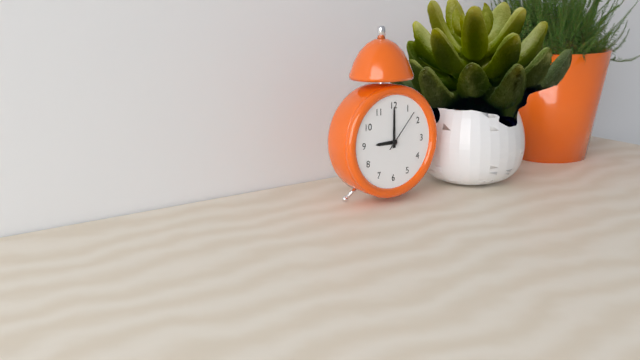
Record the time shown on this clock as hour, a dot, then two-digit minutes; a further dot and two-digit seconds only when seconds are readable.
9.00
